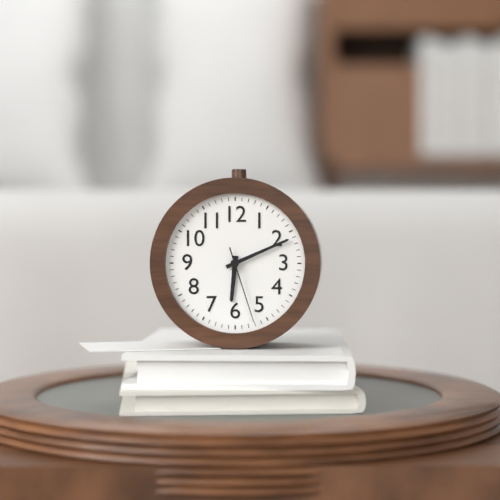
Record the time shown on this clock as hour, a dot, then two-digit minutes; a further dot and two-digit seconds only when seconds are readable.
6.11.27
